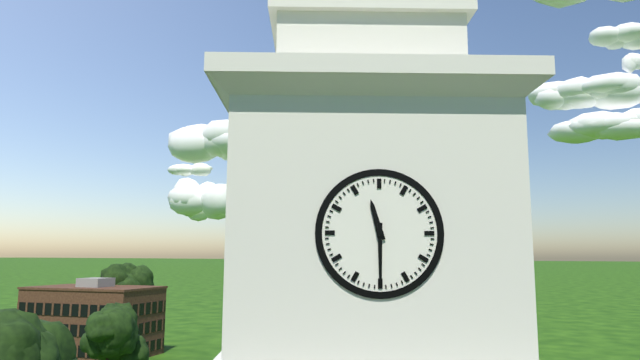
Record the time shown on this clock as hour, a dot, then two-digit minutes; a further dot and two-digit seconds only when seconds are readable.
11.30
